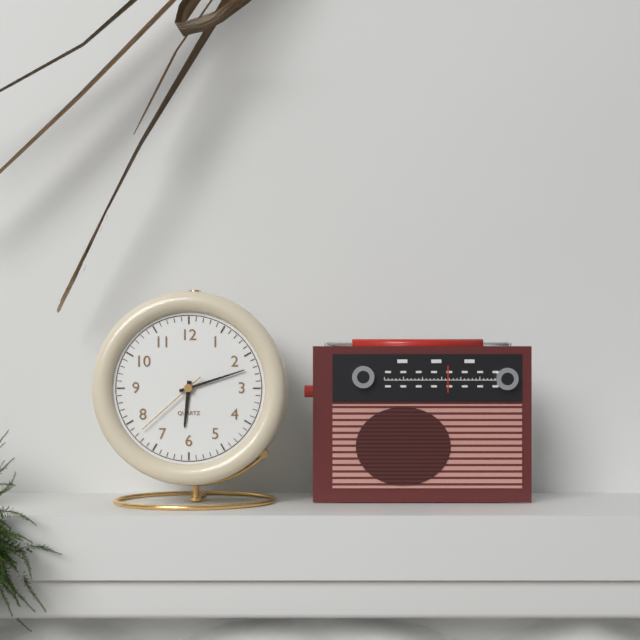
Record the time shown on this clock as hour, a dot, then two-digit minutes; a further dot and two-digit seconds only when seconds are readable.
6.12.38
